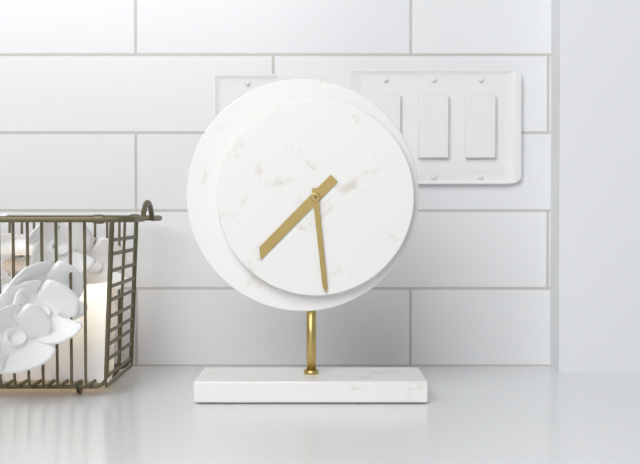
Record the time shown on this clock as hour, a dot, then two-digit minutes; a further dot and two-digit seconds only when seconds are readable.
7.29
